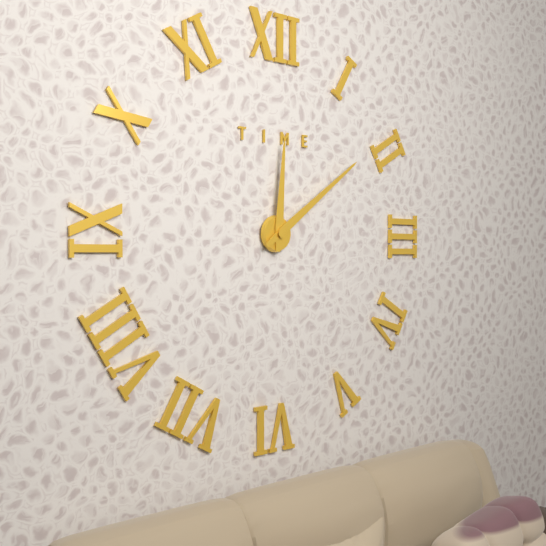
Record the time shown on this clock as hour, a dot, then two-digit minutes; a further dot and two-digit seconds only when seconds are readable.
12.09
